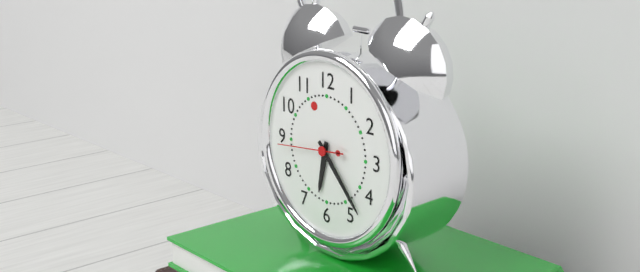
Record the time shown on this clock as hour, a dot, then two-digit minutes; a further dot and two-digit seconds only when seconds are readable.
6.23.44
